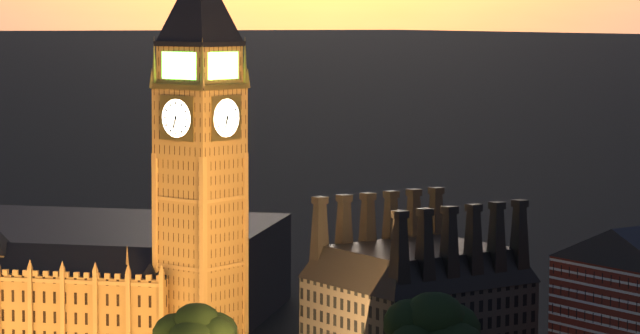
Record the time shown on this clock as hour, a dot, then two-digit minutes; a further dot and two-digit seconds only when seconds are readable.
6.33
